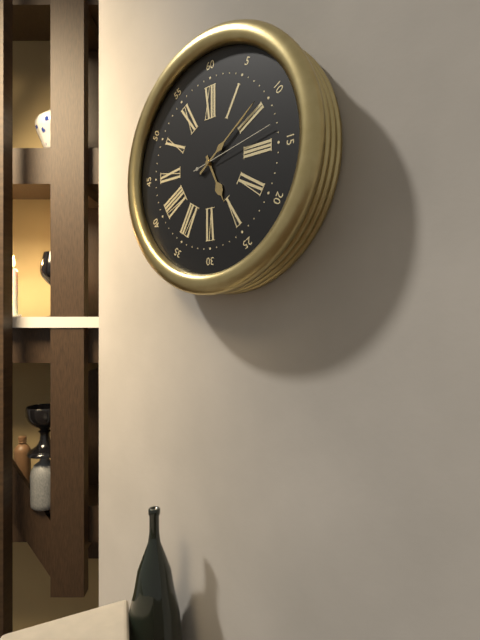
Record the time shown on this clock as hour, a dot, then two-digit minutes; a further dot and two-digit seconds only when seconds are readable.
5.09.13
